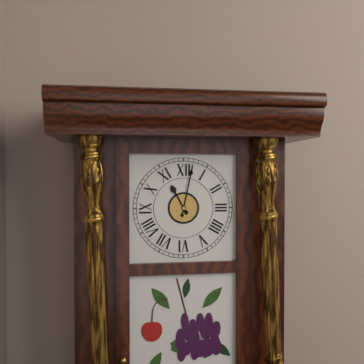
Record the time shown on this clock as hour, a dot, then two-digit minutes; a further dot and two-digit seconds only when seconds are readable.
11.02
